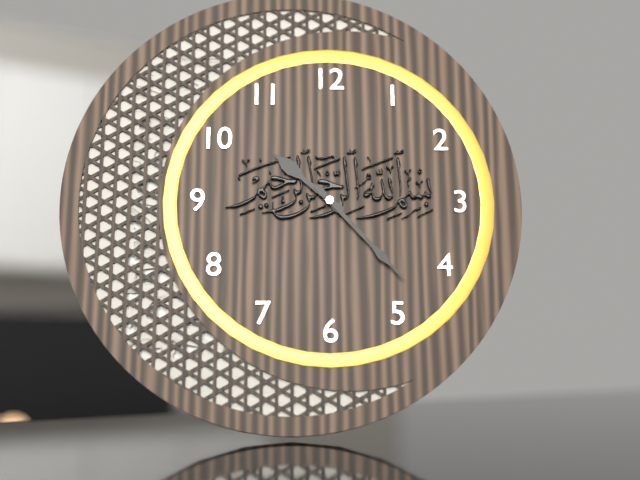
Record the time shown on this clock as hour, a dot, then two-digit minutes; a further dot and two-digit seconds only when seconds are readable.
10.23
